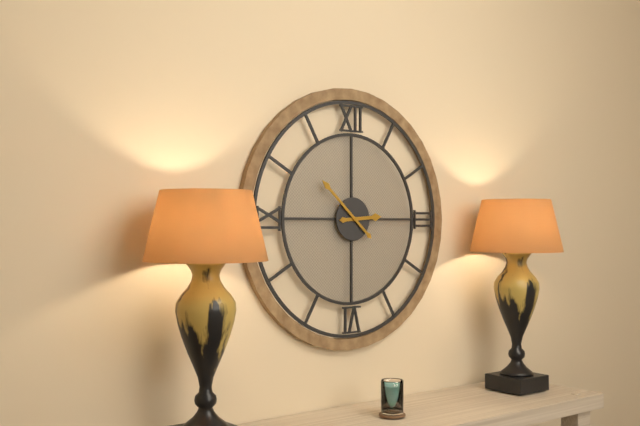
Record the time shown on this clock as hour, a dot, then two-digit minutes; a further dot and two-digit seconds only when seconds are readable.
2.52
